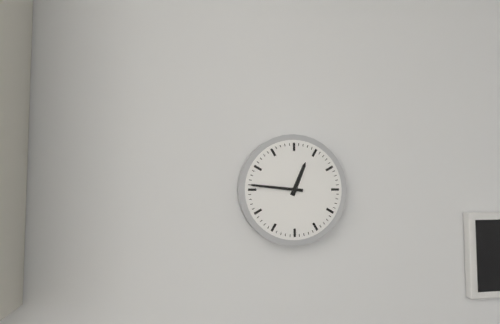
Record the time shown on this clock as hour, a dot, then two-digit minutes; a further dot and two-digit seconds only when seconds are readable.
12.46
